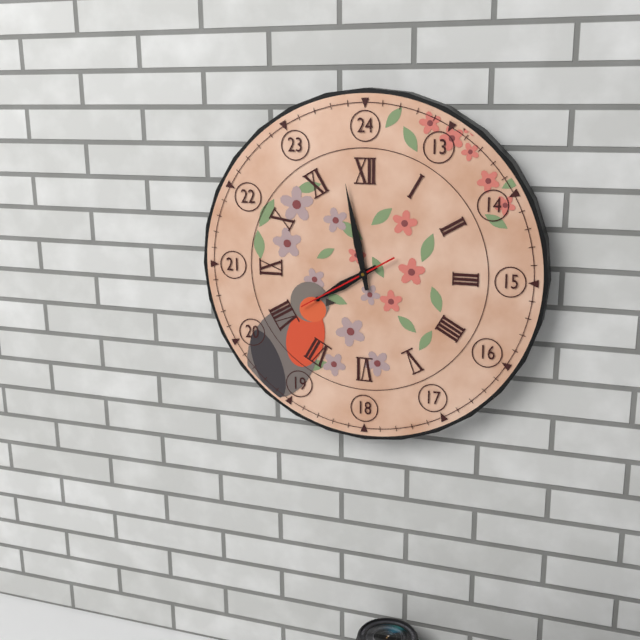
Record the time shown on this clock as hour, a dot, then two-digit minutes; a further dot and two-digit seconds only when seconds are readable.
7.58.40
